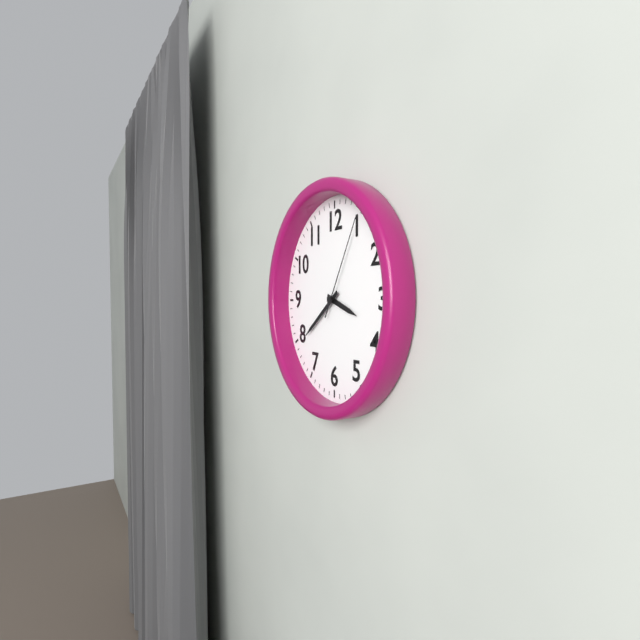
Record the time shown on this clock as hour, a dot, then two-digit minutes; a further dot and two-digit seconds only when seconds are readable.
3.39.05
